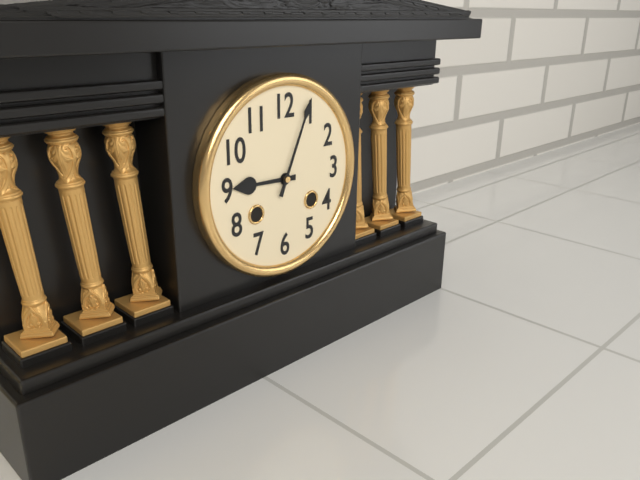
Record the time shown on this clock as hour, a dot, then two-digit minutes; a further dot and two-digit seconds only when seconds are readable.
9.04
